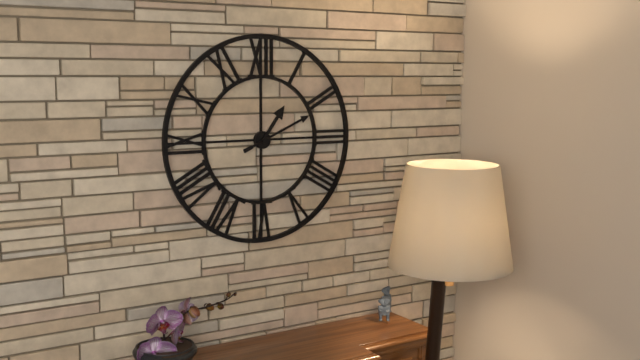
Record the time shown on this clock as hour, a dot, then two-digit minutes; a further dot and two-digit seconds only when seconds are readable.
1.11
